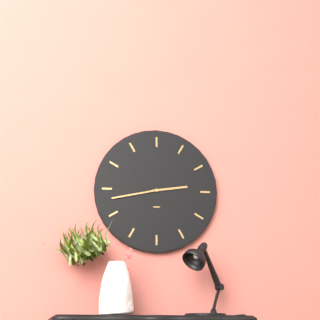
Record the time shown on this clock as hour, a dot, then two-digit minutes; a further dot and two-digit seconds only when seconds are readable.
2.43
